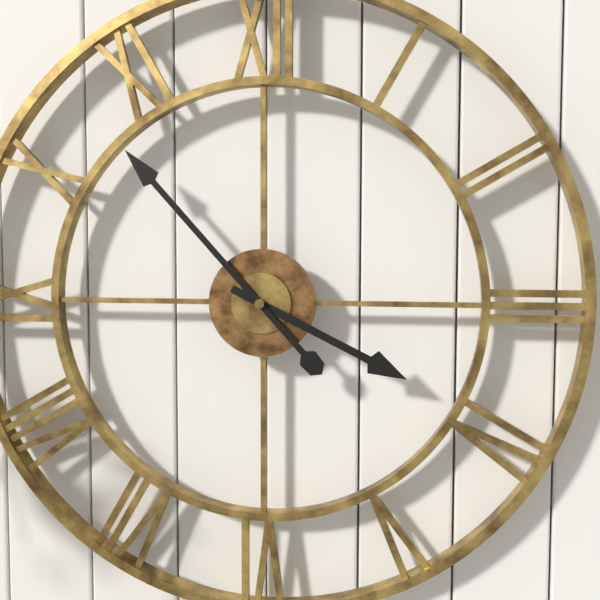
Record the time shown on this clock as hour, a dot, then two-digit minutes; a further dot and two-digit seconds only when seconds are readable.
3.53
